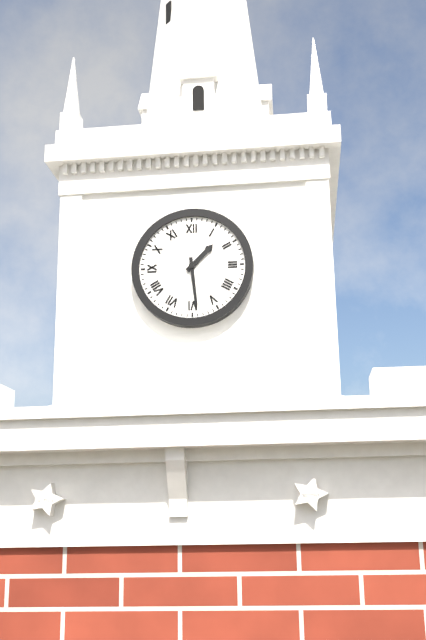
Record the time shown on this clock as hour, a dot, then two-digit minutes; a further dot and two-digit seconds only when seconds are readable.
1.29
